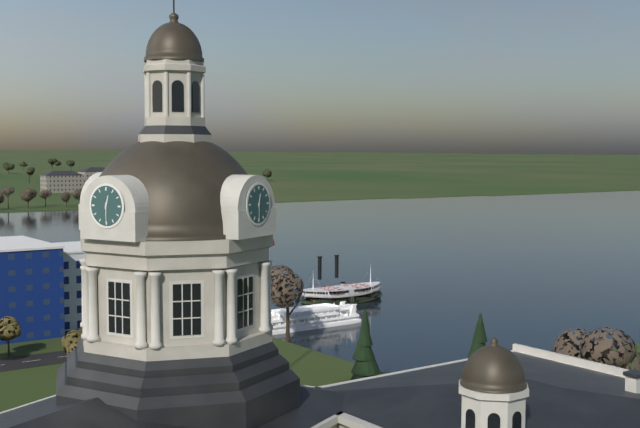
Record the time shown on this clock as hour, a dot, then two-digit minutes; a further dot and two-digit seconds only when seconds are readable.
12.30
